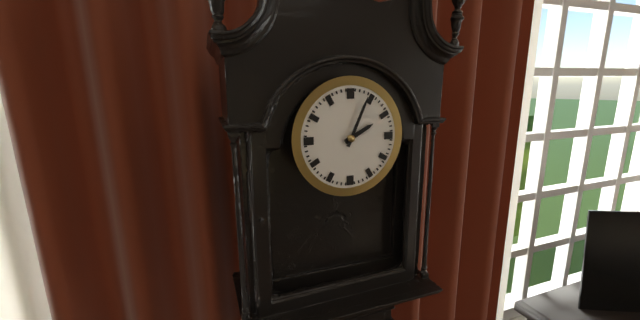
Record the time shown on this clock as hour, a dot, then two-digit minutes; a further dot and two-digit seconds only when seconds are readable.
2.04
